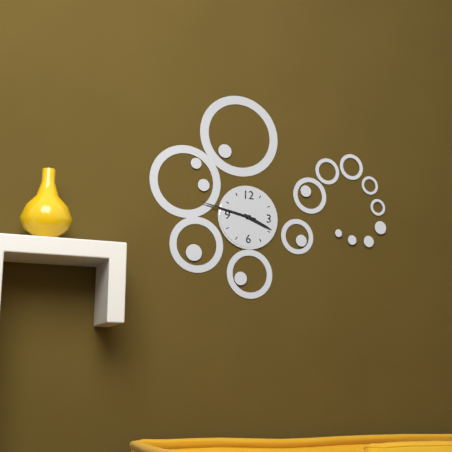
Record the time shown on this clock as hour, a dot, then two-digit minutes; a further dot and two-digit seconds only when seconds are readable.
3.47
